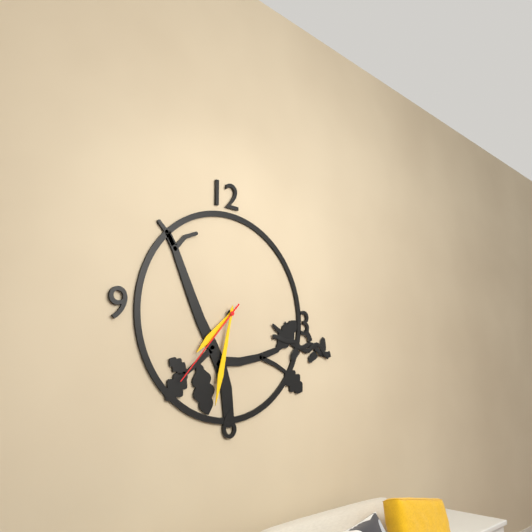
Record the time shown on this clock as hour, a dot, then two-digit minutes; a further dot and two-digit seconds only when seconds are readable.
7.32.37
